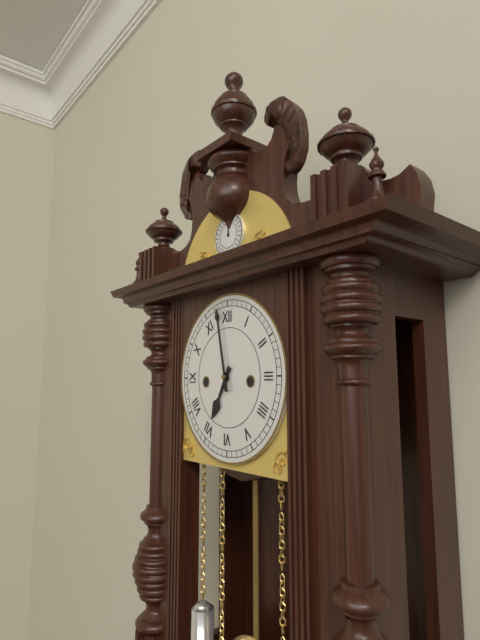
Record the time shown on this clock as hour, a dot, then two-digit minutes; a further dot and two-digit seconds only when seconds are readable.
6.58
